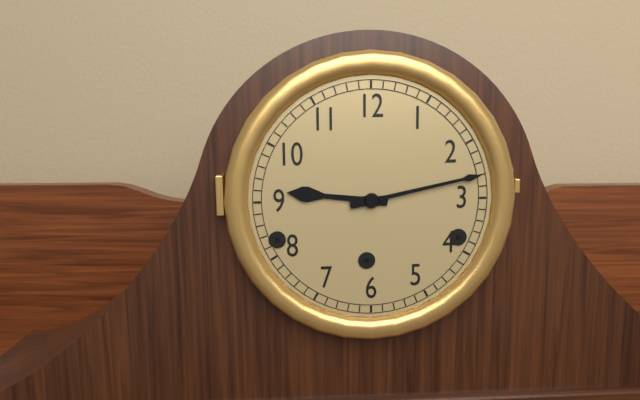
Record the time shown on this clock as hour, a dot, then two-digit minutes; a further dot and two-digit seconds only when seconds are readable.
9.13
